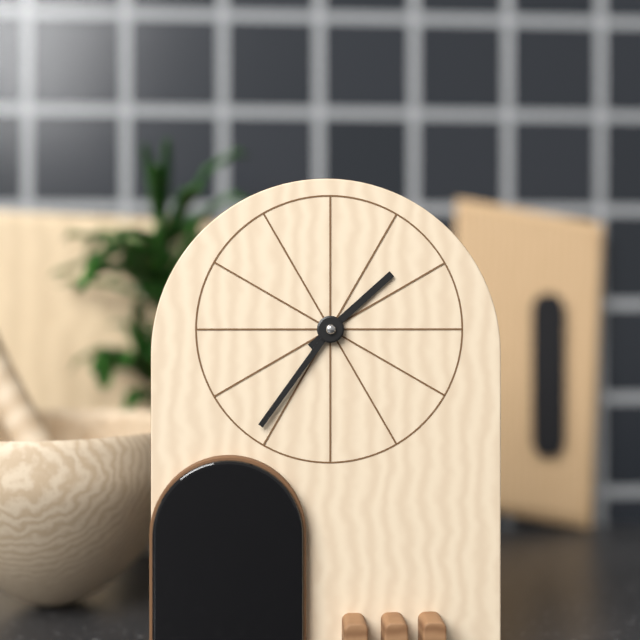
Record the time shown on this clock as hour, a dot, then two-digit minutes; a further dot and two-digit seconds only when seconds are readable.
1.36
